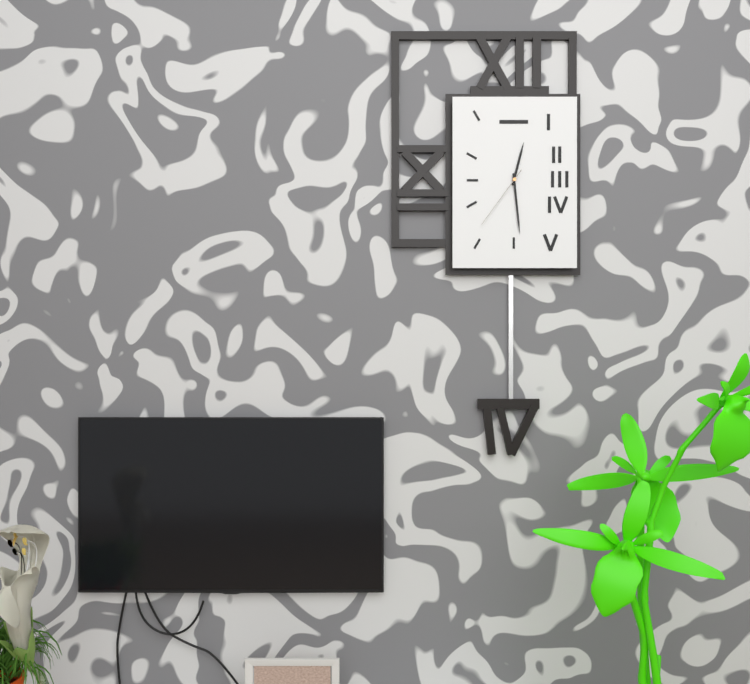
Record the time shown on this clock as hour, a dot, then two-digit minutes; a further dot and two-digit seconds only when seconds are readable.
12.29.36
